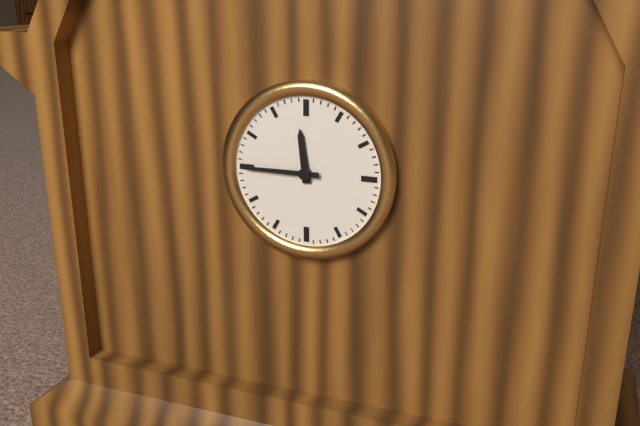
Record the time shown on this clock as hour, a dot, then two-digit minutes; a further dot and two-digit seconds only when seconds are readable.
11.45
